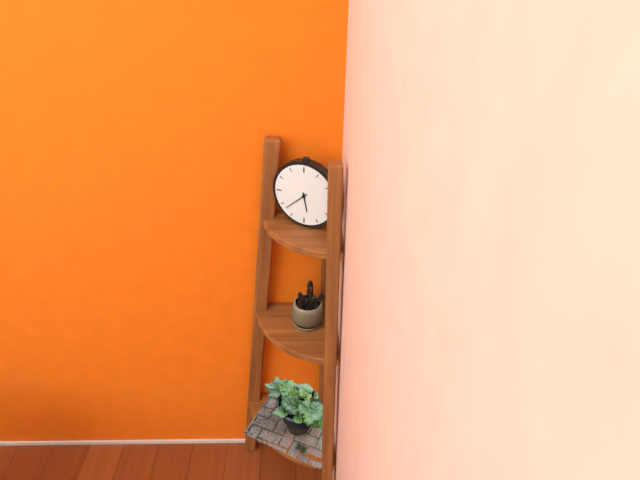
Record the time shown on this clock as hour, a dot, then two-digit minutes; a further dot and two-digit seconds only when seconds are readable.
5.38
